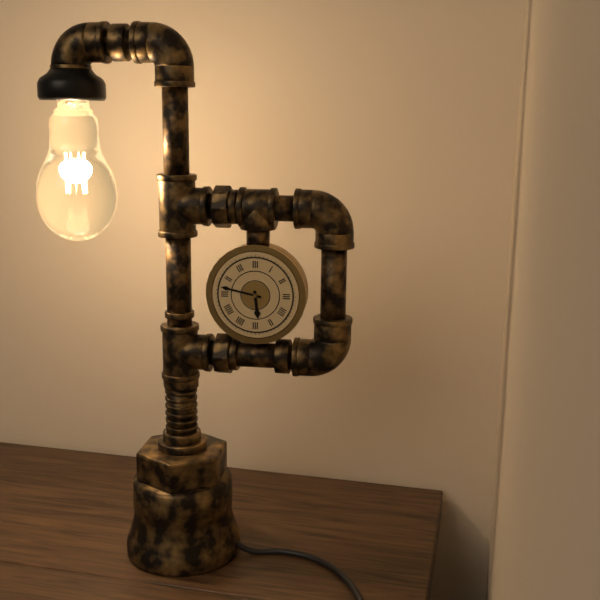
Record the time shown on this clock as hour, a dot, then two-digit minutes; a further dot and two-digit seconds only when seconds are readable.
5.47
